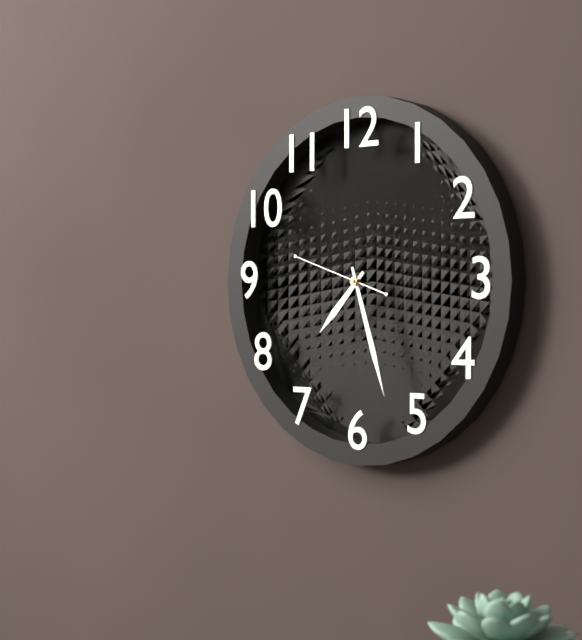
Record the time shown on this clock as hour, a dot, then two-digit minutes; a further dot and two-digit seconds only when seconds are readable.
7.27.48
